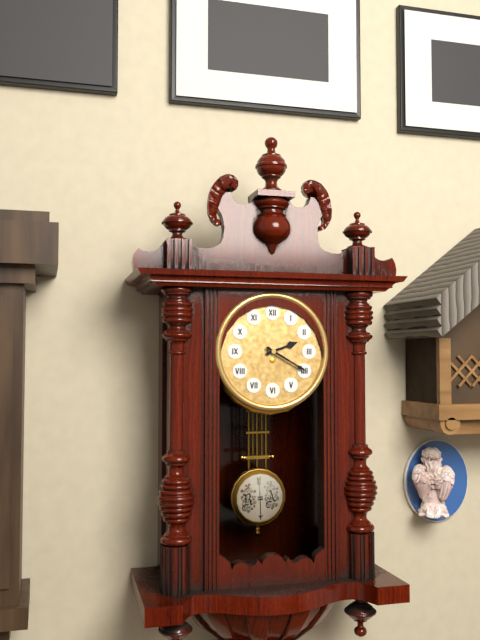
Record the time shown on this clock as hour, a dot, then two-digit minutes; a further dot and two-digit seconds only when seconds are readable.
2.20
